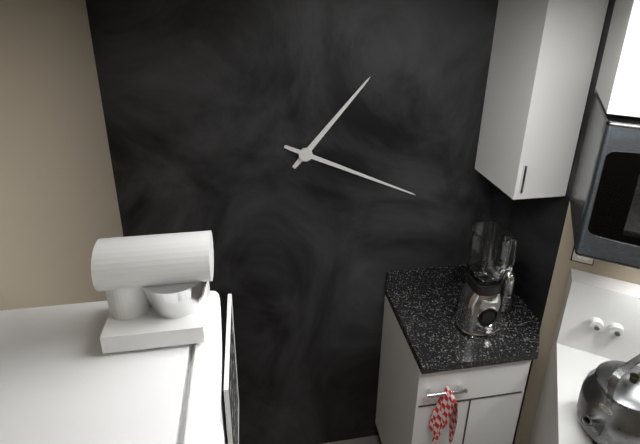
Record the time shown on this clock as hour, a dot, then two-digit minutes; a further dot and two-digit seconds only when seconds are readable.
1.19
